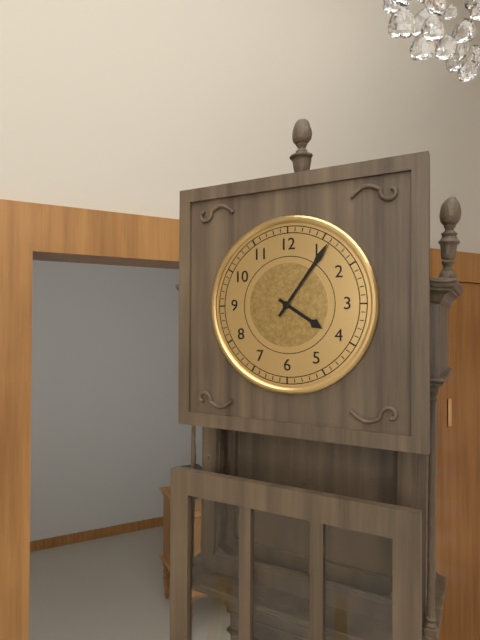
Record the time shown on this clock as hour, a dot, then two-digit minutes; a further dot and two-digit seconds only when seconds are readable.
4.06
